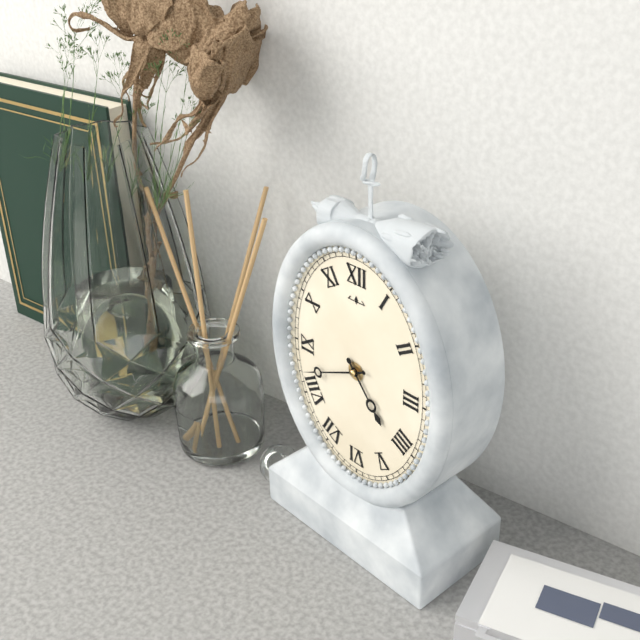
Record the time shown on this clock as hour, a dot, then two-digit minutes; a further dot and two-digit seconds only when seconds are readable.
4.41
